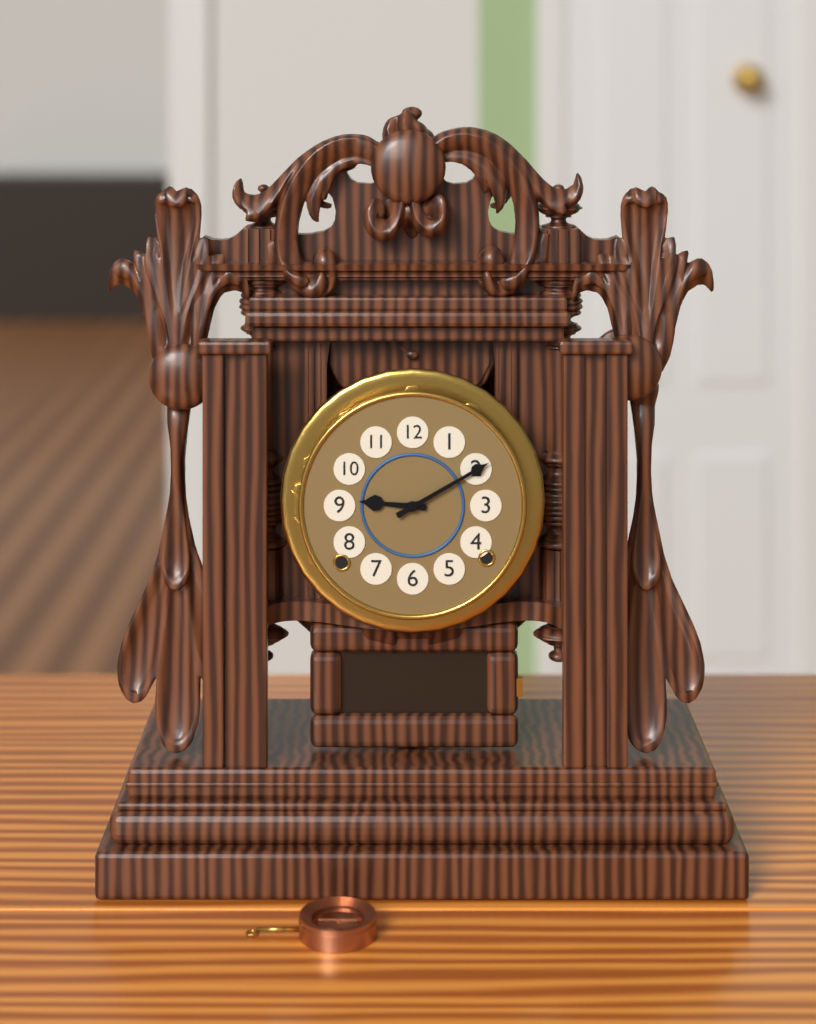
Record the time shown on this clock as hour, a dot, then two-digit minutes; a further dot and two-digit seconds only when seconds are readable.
9.10
